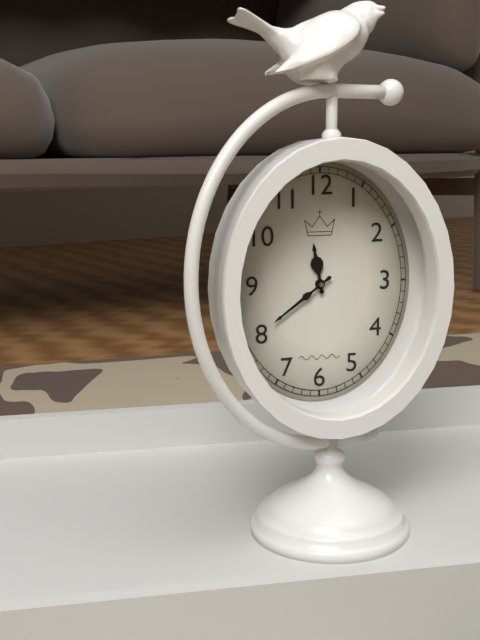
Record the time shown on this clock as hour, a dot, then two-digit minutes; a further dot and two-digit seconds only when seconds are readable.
11.39
